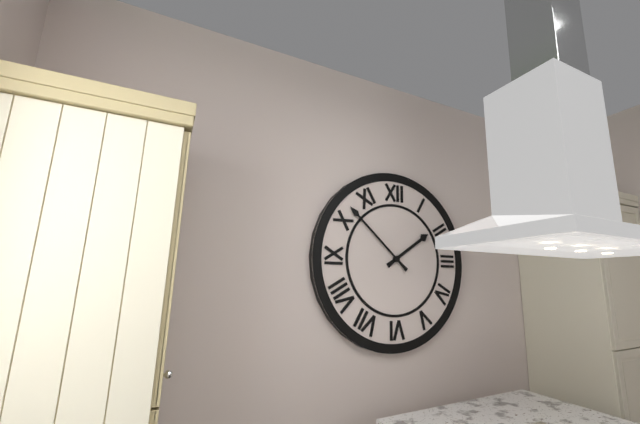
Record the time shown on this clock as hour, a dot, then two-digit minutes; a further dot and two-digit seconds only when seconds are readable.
1.52
